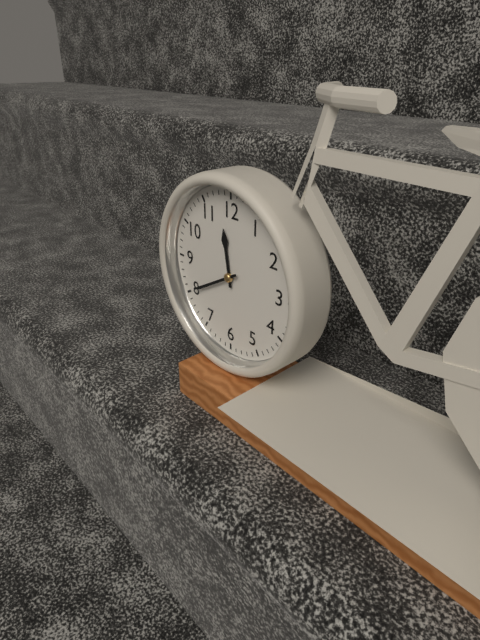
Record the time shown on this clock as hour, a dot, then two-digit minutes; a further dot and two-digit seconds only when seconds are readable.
11.40
